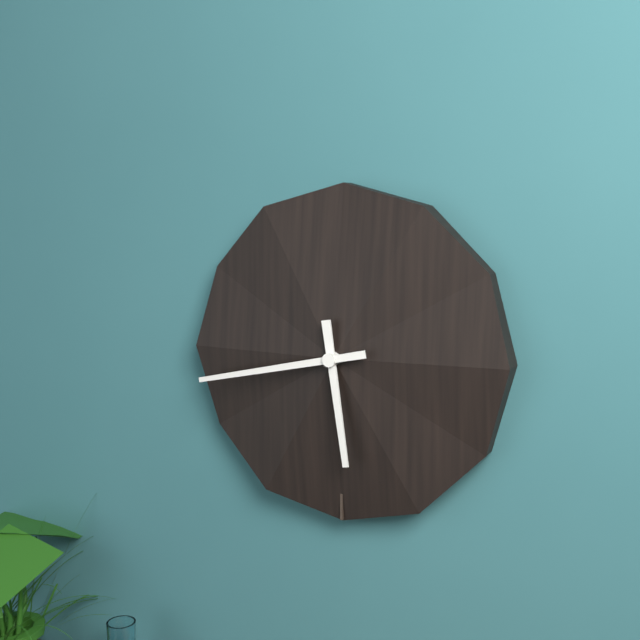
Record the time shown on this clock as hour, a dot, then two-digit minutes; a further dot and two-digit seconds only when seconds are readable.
5.43
